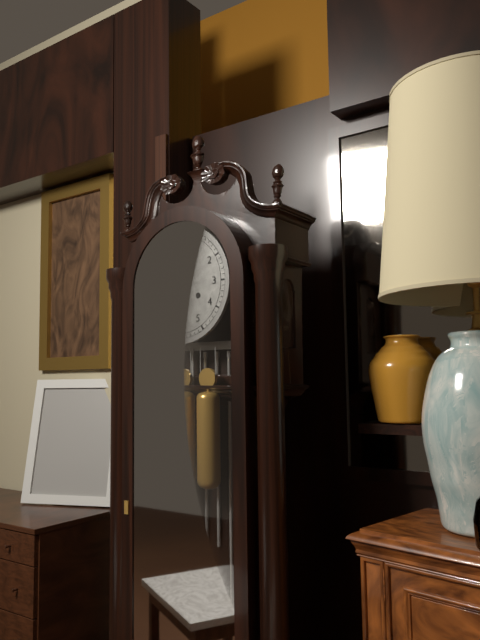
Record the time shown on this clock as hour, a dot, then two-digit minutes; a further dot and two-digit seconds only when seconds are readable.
1.00
